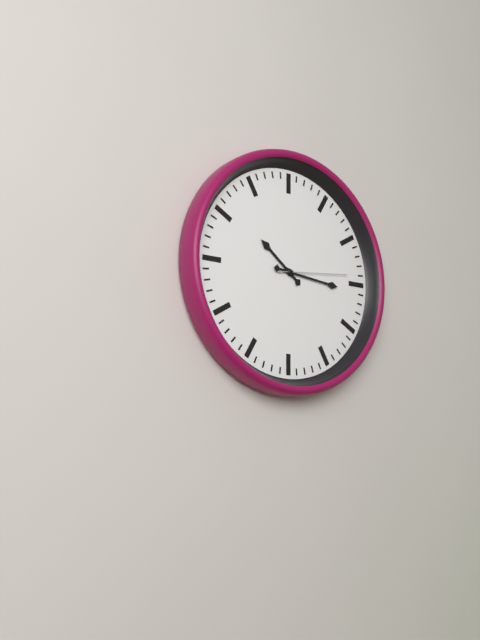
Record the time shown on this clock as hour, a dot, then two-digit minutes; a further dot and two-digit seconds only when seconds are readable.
10.16.14
